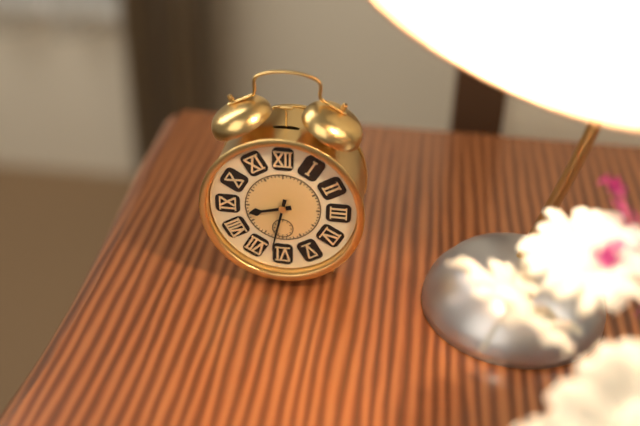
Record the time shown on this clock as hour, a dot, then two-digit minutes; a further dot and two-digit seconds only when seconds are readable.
8.32
